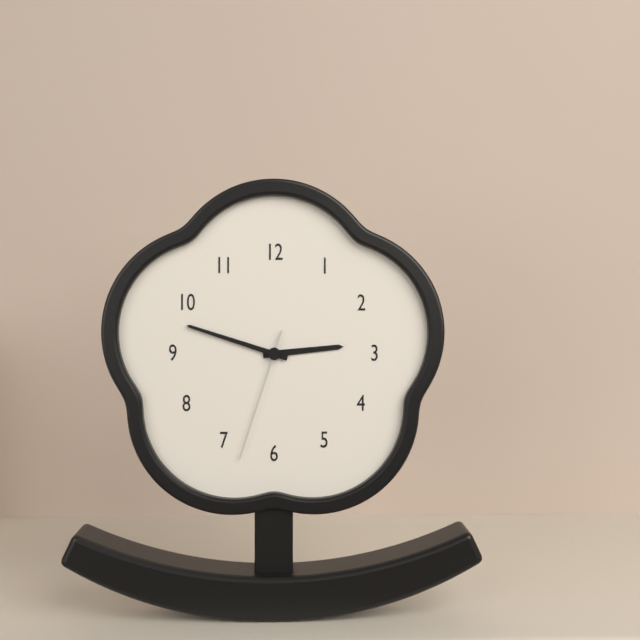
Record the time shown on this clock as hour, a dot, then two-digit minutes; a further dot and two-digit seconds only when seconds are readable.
2.48.33
